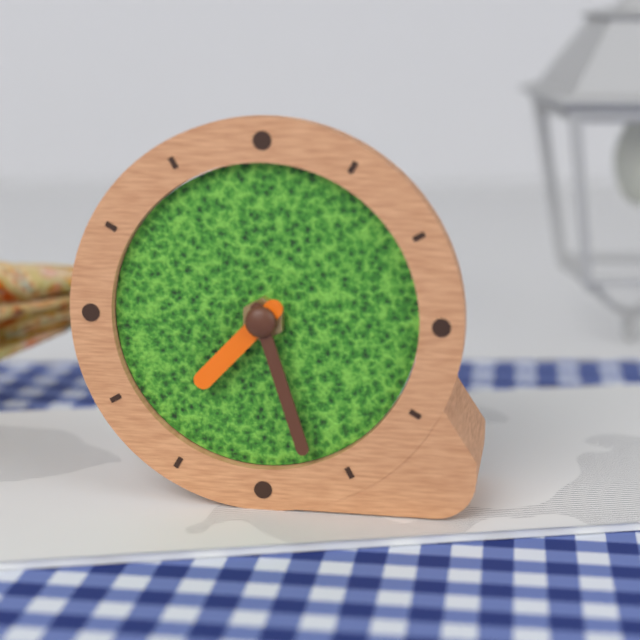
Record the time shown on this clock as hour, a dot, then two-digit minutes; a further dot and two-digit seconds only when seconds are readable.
7.27
